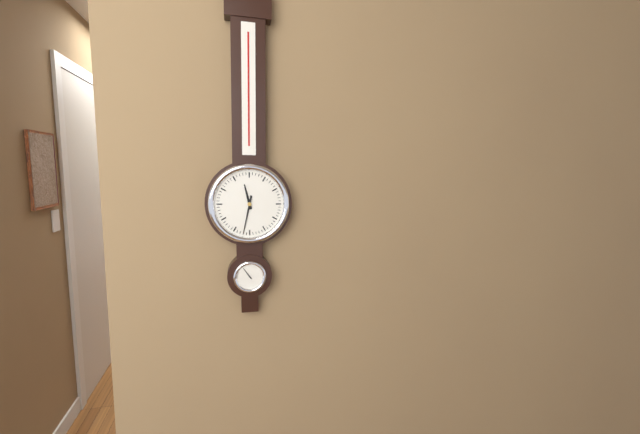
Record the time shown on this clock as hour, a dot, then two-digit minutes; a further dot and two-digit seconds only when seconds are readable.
11.32
